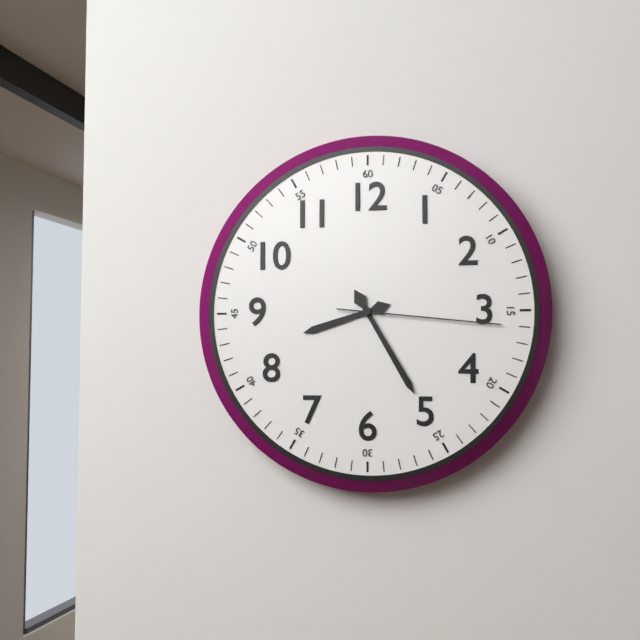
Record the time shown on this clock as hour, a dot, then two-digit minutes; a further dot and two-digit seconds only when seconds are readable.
8.25.16
